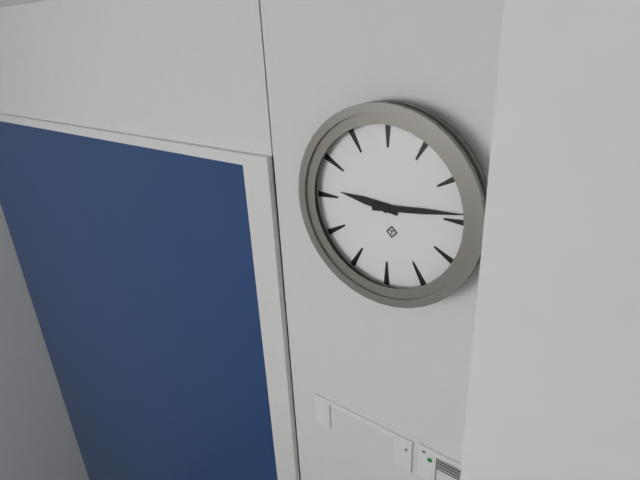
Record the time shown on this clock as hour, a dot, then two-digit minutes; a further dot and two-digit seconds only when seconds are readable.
9.14
